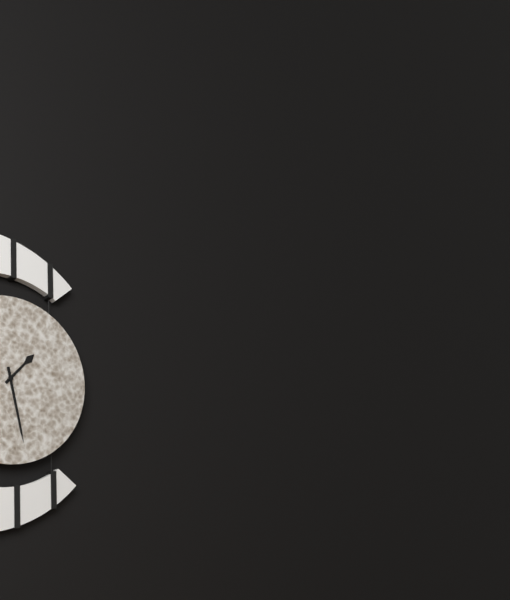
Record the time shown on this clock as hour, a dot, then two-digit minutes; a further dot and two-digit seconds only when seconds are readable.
1.28
